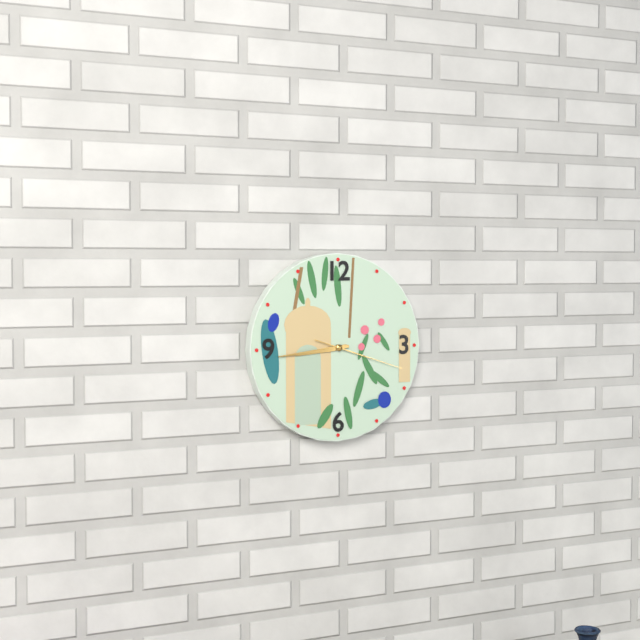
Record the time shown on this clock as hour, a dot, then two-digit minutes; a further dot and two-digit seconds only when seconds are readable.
8.44.18
